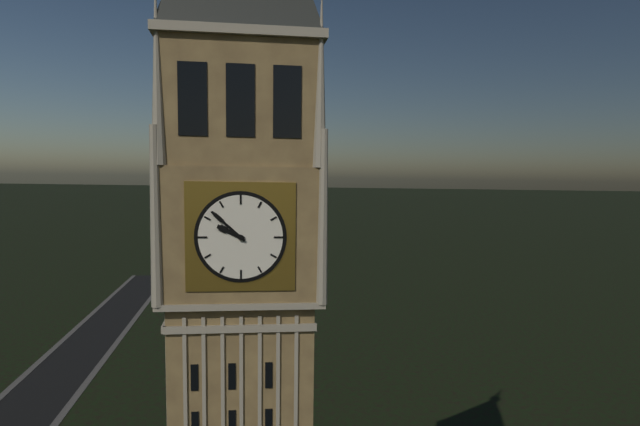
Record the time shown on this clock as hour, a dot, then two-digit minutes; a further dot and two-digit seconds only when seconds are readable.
9.52
